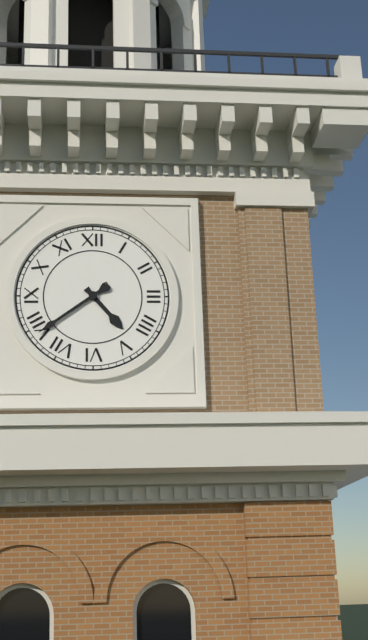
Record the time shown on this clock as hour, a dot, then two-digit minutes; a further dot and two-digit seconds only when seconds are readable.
4.39
